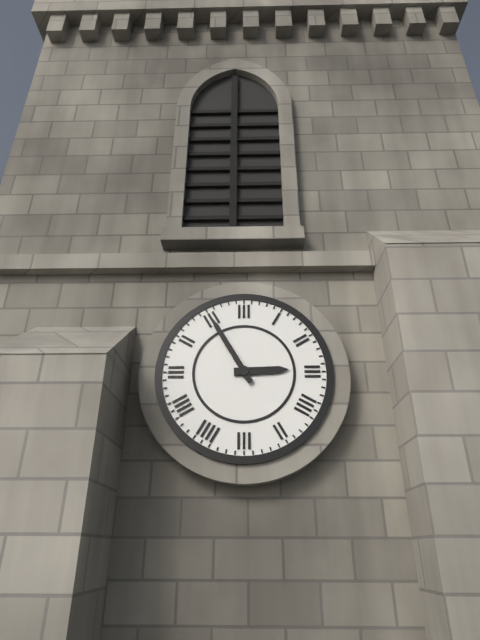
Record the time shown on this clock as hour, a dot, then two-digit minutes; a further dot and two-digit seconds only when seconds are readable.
2.55
